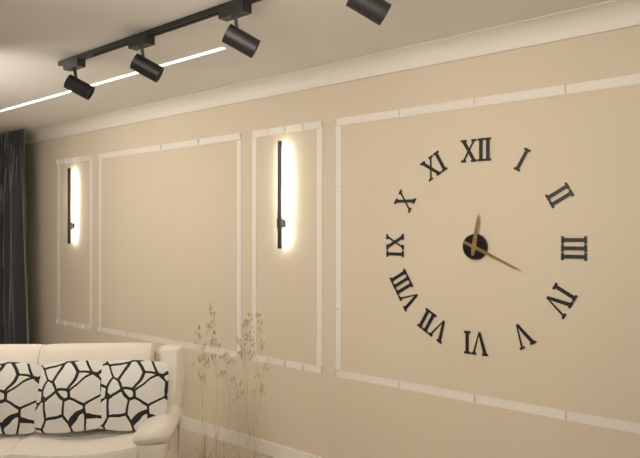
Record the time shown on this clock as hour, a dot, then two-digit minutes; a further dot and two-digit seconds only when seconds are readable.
12.19
